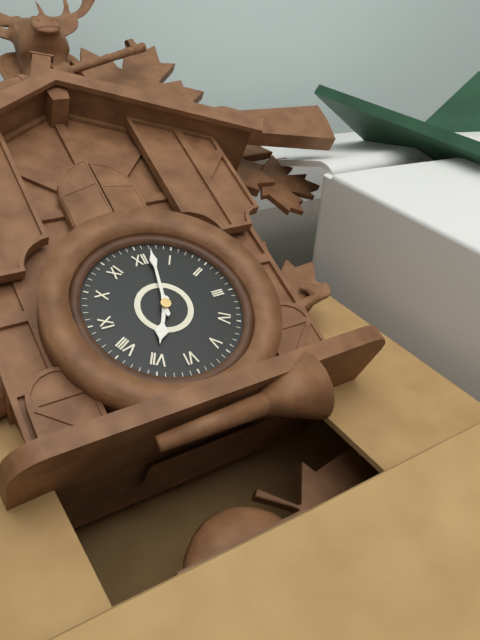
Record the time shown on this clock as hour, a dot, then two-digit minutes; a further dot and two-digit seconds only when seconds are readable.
7.02
